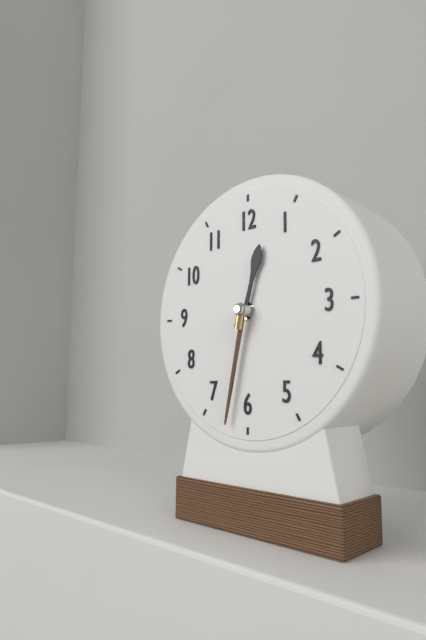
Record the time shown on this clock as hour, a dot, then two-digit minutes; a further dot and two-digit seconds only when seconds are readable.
12.32
